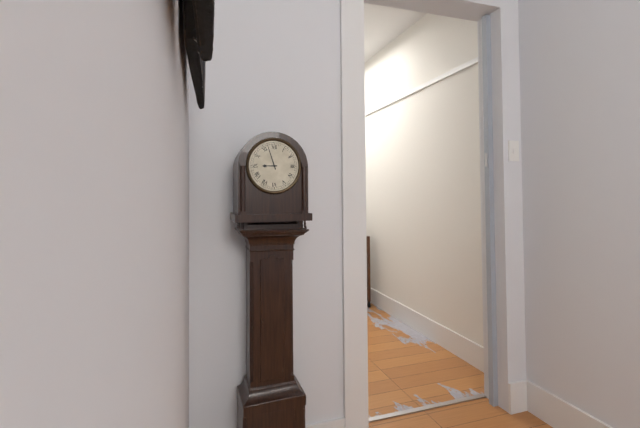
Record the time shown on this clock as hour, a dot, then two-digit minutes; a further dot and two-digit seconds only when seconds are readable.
8.57
